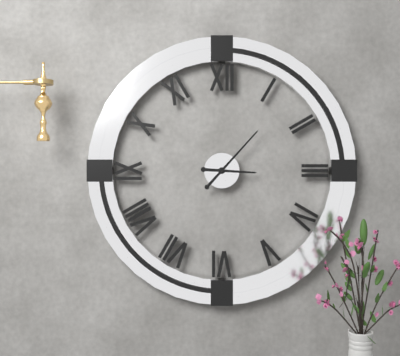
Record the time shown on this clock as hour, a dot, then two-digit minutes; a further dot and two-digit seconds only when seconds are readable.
3.07
